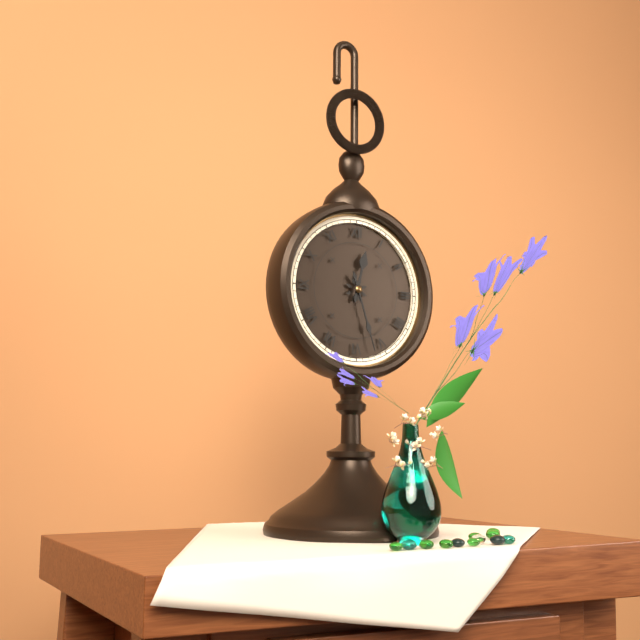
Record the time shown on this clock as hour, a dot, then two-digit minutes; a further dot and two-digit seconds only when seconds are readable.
12.27
